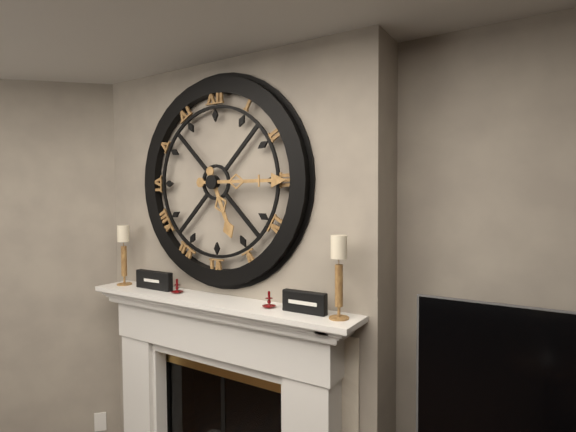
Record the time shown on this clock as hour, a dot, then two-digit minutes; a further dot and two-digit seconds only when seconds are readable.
5.15
